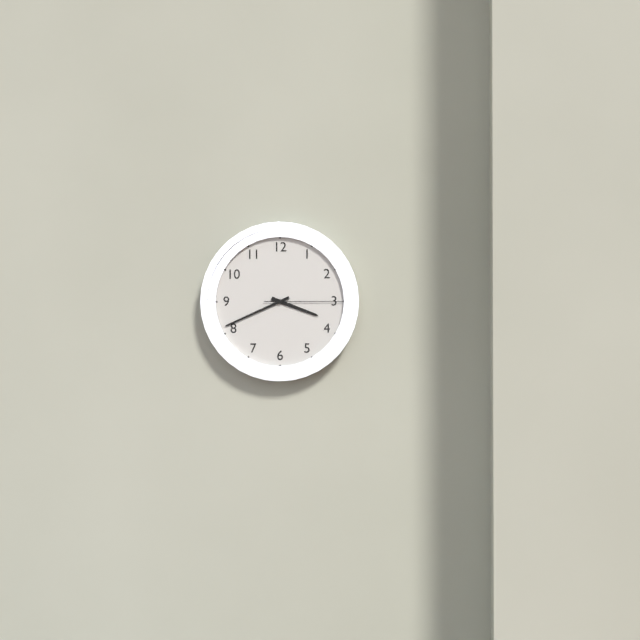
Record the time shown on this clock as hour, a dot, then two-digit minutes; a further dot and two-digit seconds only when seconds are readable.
3.41.15
